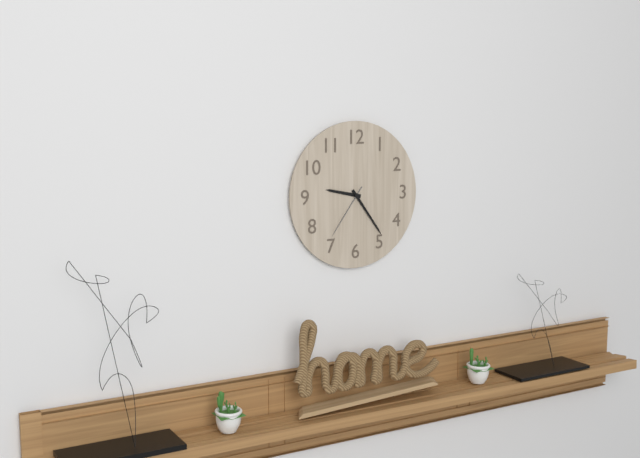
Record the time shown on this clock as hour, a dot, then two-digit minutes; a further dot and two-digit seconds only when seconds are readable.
9.24.36
